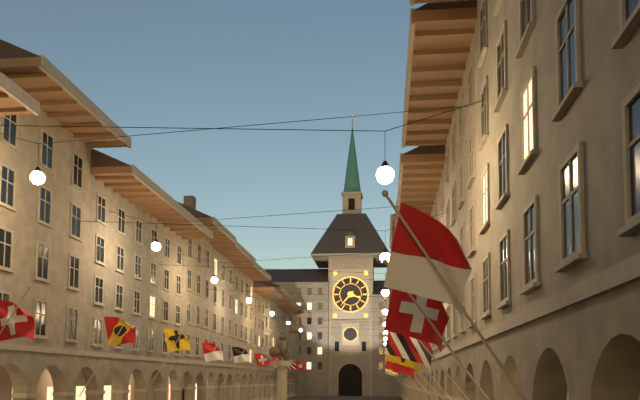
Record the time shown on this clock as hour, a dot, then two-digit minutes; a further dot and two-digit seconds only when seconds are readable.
3.37
